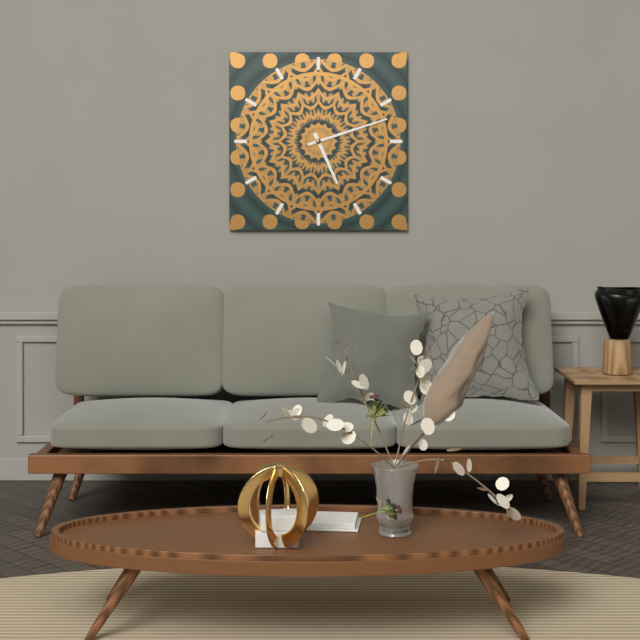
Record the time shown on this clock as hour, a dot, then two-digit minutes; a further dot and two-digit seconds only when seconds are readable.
5.12
